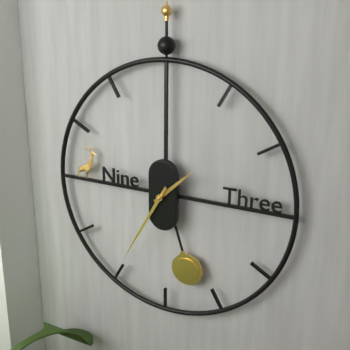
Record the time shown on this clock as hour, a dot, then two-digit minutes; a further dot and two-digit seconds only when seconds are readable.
1.35
